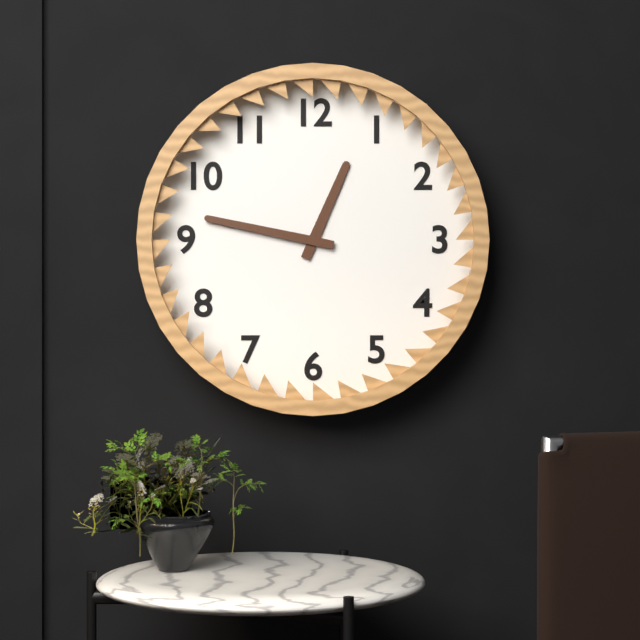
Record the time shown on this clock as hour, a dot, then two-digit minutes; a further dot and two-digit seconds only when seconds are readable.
12.47
